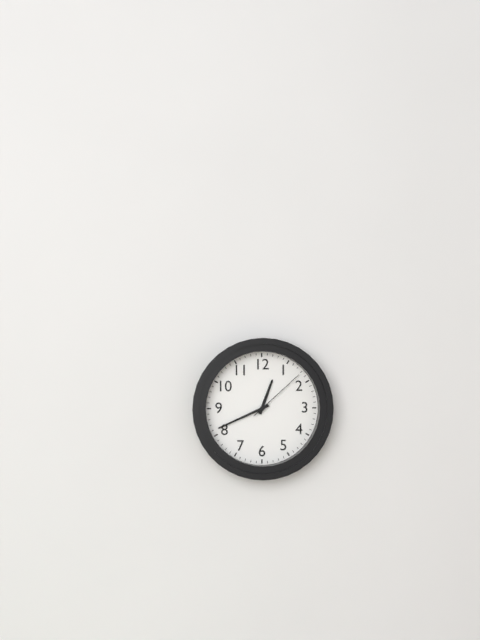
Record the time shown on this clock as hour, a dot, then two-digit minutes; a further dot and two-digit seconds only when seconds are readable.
12.41.08
